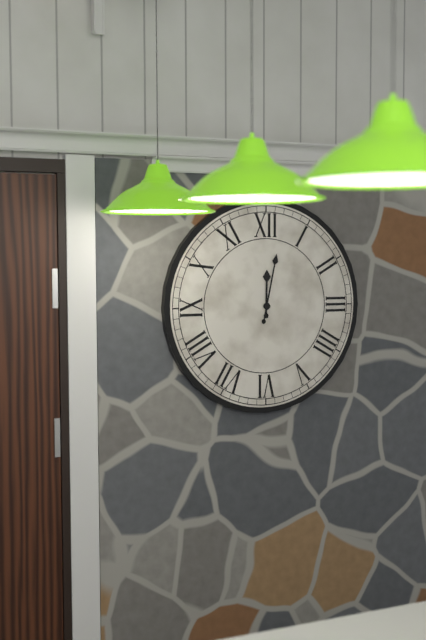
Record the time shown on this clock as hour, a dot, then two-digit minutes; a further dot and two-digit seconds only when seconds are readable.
12.02
